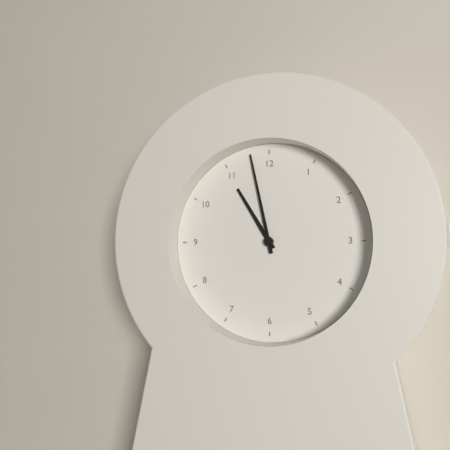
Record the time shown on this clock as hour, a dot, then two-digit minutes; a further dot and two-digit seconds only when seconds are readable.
10.58
